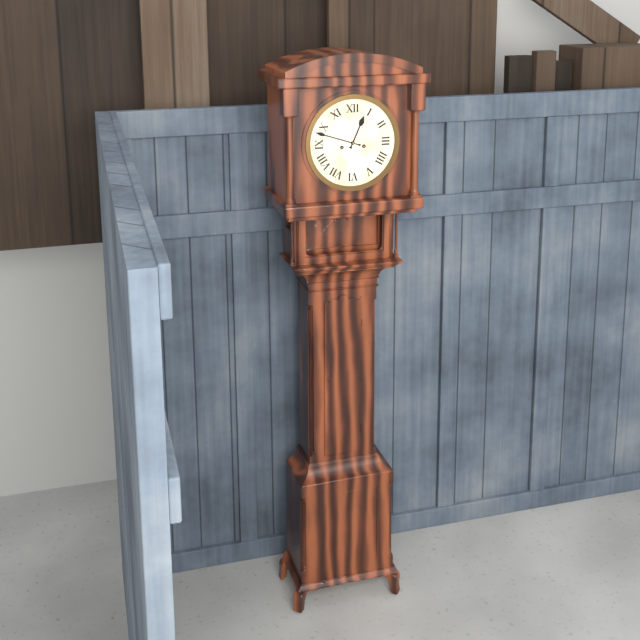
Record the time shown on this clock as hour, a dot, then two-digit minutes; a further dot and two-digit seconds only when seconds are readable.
12.48
